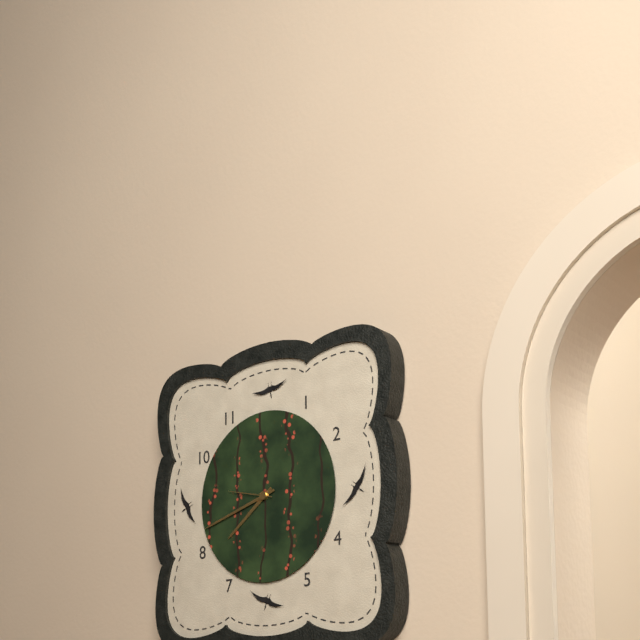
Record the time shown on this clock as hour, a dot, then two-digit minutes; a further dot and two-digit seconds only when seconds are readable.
7.42
